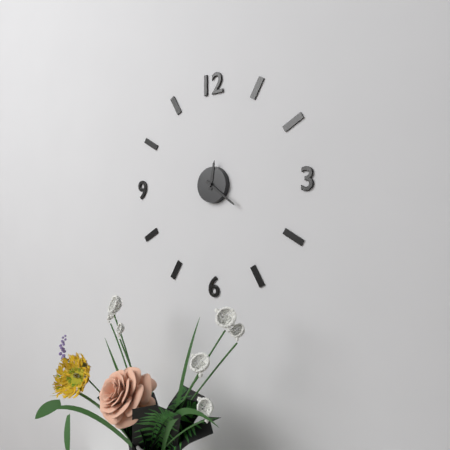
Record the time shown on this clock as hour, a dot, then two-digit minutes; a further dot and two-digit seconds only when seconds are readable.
12.21
